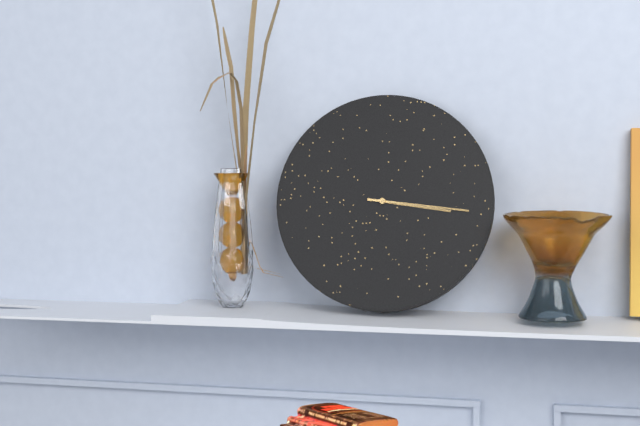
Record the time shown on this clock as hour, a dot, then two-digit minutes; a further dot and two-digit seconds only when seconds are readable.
3.16
